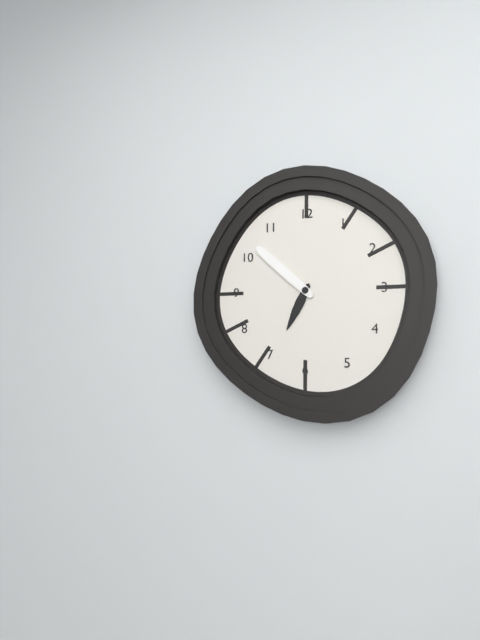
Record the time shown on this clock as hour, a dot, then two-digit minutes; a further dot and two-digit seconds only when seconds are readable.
6.52
